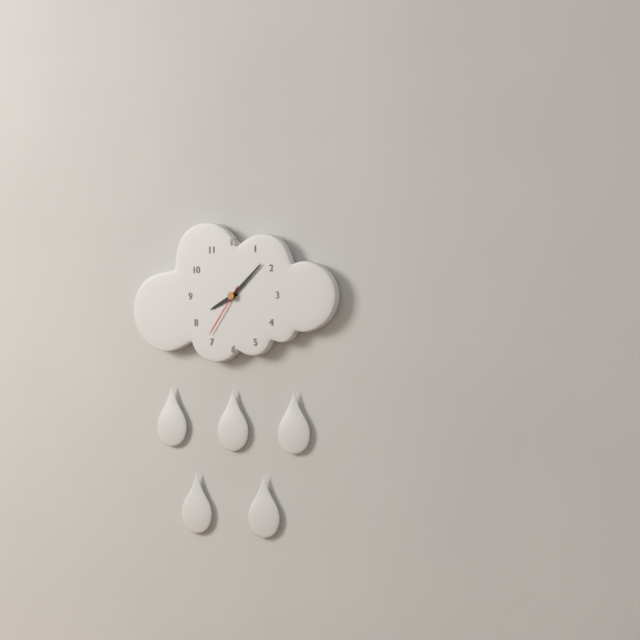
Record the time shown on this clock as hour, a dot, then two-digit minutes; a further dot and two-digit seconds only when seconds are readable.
8.08.36
